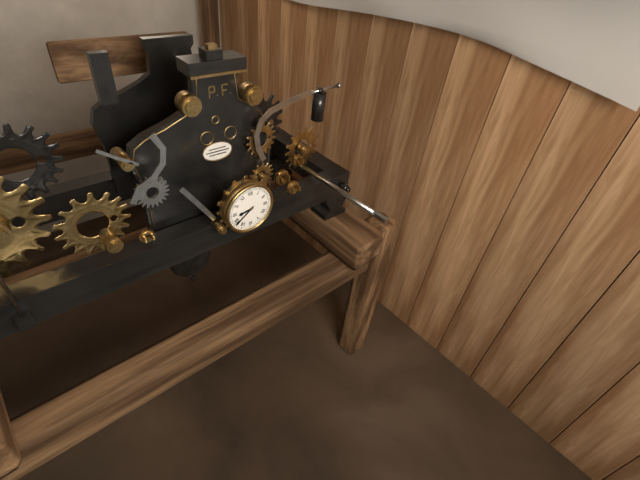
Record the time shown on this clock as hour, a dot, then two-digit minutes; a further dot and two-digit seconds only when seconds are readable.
8.39
